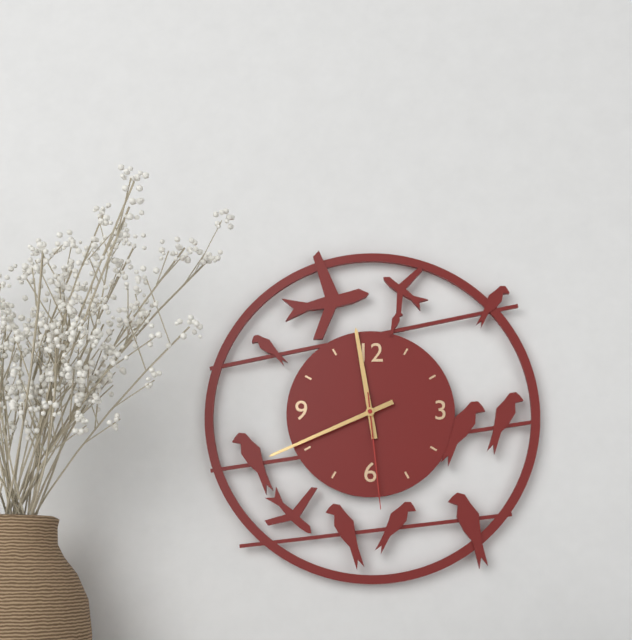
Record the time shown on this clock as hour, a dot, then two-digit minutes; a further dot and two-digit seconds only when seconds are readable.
11.41.29
